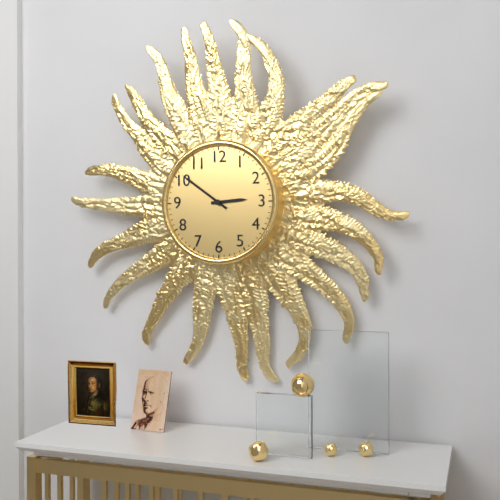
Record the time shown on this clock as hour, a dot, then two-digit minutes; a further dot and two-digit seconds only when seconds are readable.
2.51
